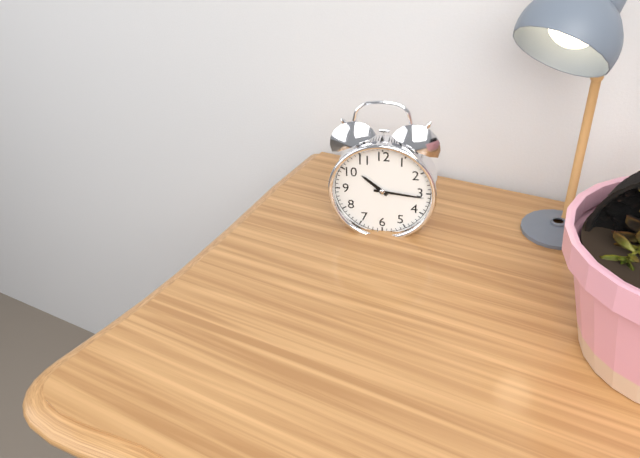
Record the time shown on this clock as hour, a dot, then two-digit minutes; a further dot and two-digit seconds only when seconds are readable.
10.16
